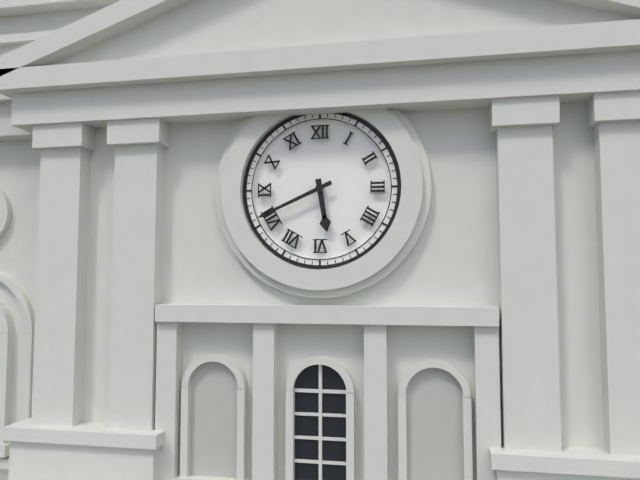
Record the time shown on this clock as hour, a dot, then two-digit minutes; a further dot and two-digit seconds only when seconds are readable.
5.41
